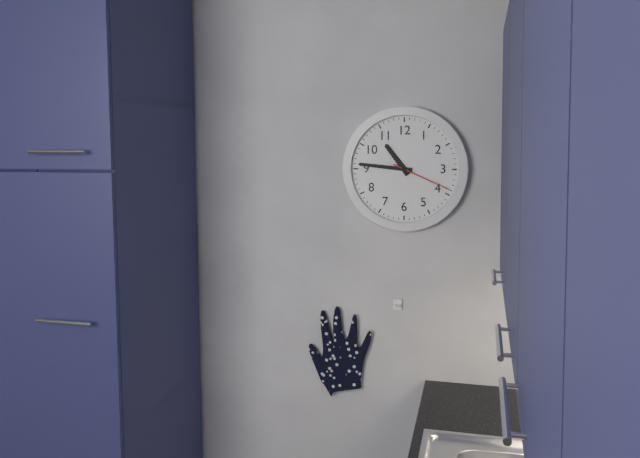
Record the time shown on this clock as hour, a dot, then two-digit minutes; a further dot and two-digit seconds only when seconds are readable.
10.46.19
